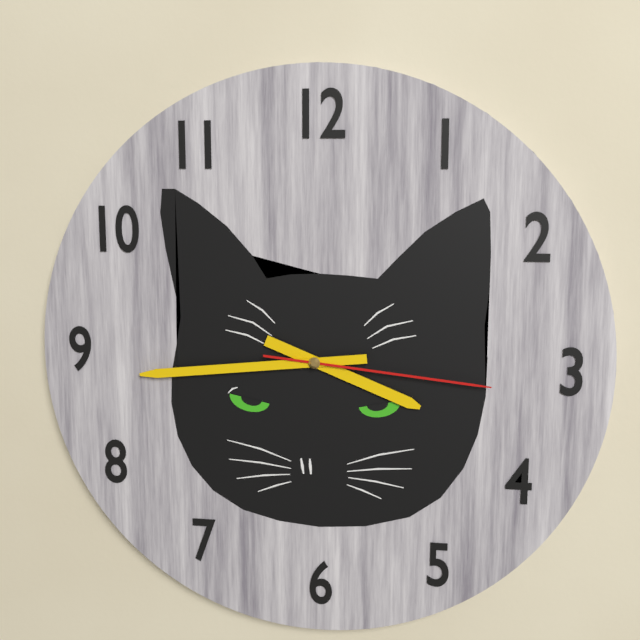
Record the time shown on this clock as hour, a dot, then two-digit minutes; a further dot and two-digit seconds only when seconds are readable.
3.44.16
